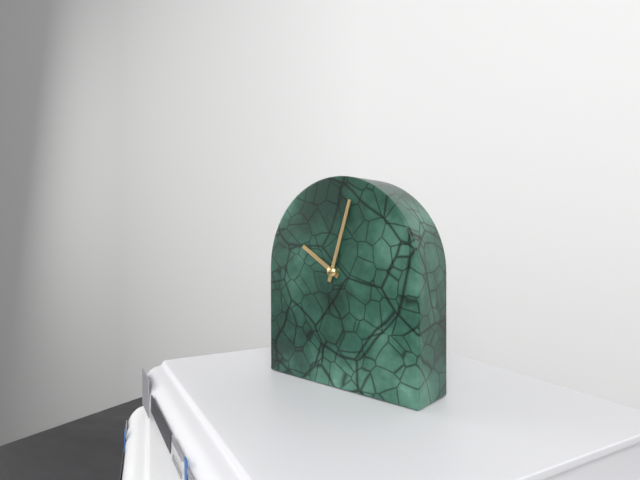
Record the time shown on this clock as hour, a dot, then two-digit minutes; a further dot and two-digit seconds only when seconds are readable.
10.03
